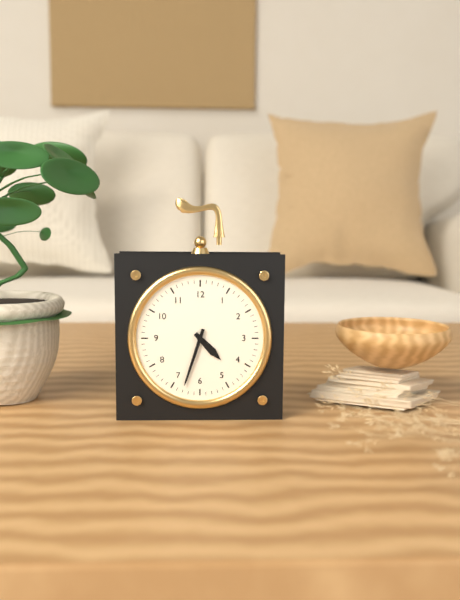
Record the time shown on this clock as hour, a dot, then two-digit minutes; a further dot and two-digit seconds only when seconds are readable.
4.33
